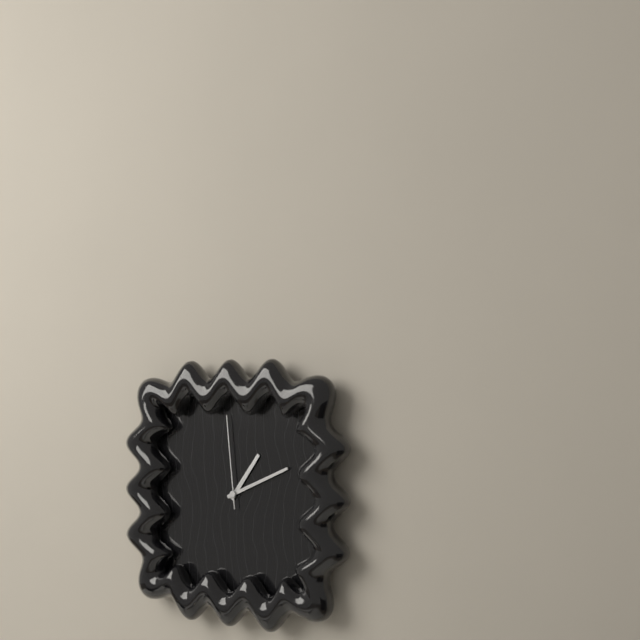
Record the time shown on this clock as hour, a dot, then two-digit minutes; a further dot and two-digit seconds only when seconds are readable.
1.11.59
